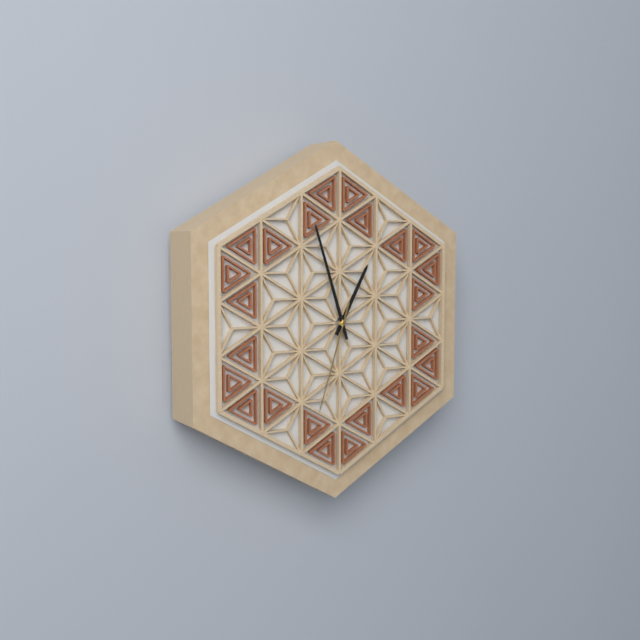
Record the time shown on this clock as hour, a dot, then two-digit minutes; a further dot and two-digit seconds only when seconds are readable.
12.57.33
